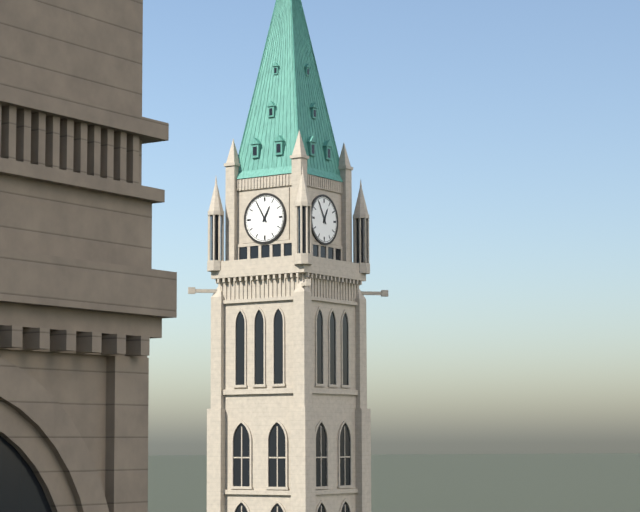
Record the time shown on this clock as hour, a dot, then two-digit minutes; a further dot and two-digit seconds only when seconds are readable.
12.55
